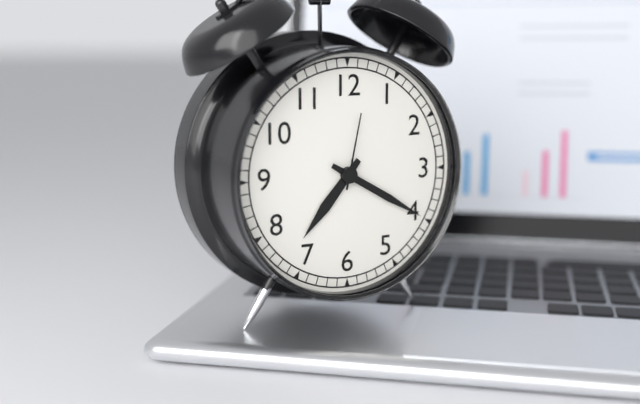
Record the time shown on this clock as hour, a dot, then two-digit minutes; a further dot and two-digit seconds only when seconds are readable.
7.20.02
